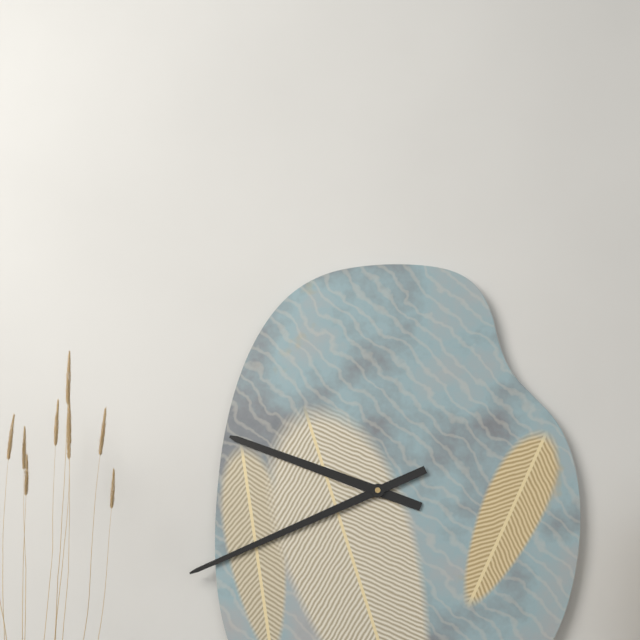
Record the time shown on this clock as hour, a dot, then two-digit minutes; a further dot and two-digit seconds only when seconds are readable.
9.41
